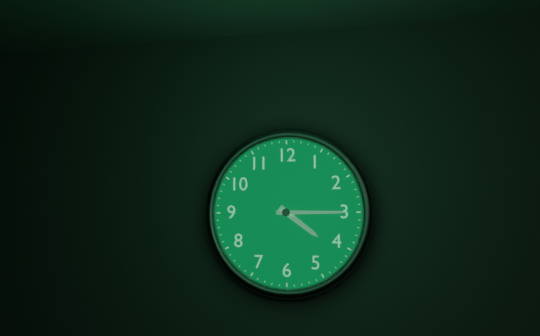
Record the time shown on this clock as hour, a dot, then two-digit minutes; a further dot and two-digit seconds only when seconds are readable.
4.15
